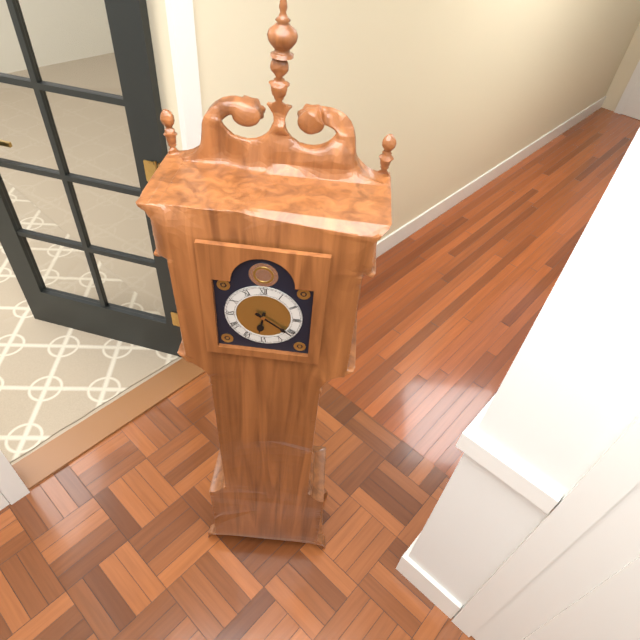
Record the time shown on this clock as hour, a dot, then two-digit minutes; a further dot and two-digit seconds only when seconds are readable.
6.21
